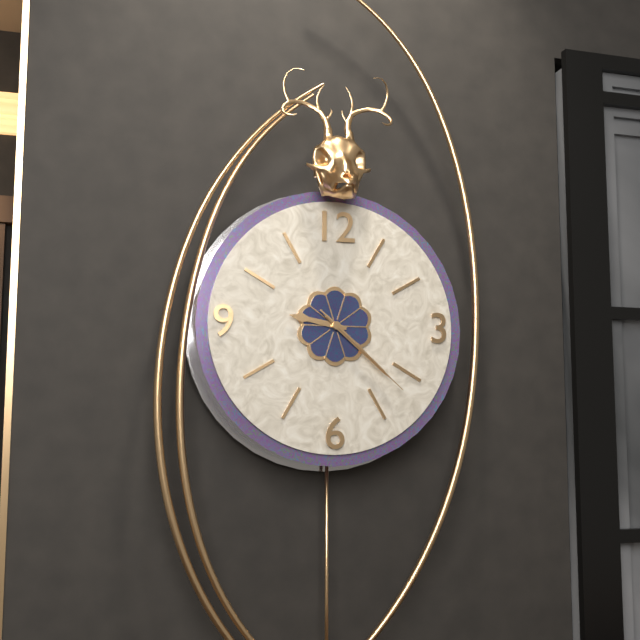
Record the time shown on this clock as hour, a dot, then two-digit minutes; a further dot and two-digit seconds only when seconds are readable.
9.22.22
